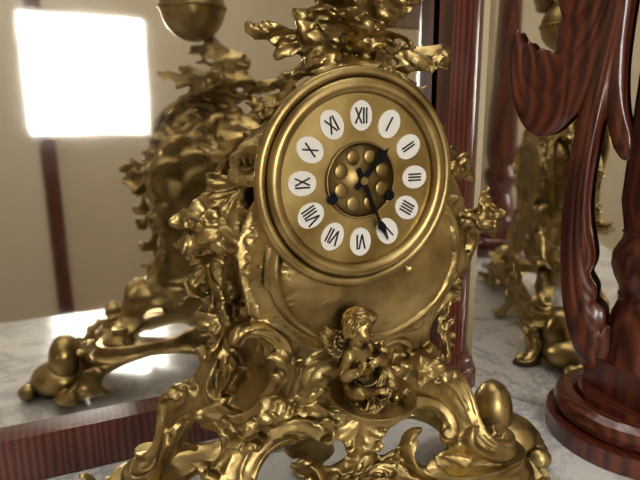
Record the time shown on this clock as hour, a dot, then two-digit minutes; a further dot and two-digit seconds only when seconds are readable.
1.26
